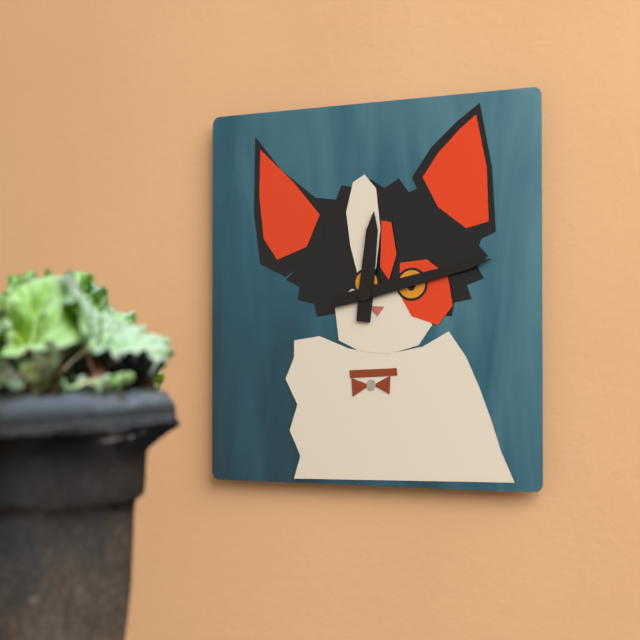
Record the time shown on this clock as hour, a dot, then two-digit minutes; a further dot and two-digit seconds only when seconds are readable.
12.13
